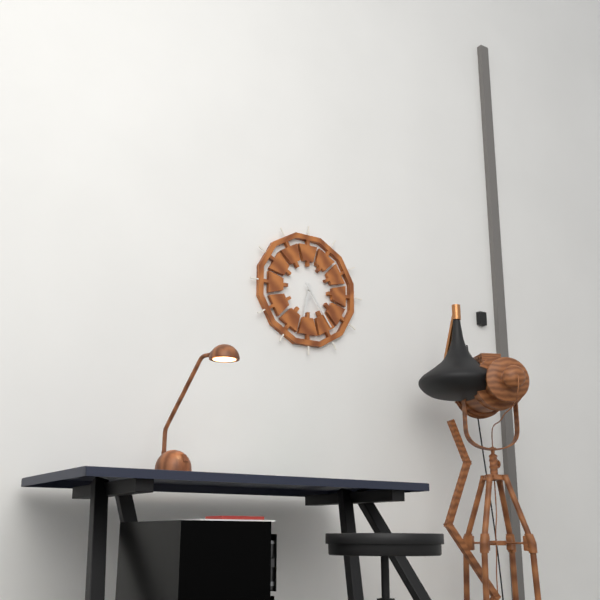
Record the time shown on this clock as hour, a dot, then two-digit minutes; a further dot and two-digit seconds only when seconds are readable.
6.24
